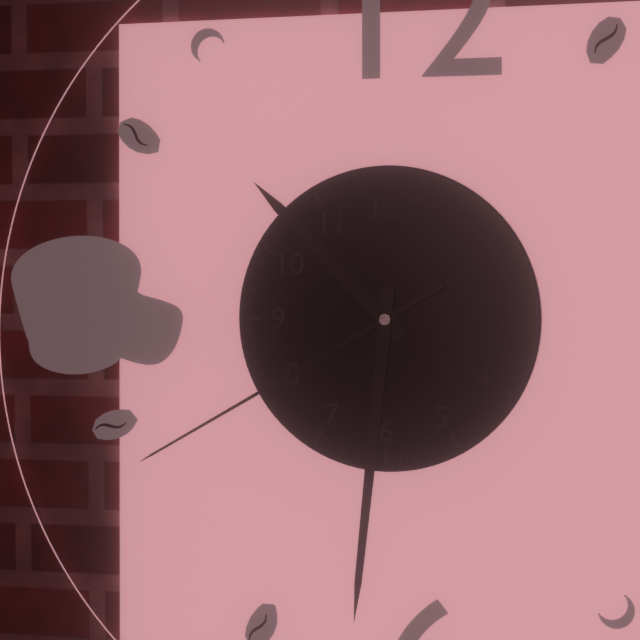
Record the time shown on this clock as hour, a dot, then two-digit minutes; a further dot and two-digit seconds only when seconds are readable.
10.31.40
